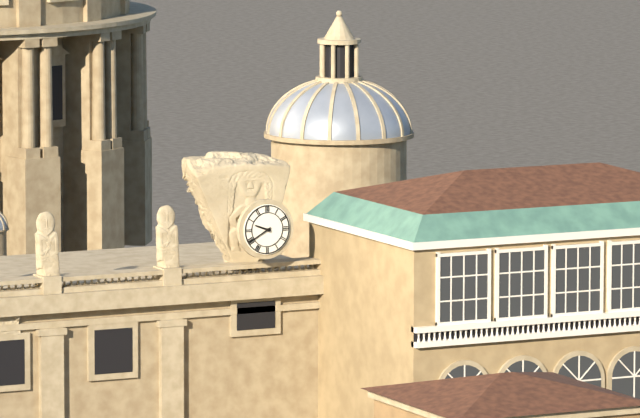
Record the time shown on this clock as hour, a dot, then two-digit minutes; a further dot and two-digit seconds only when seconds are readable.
9.40
